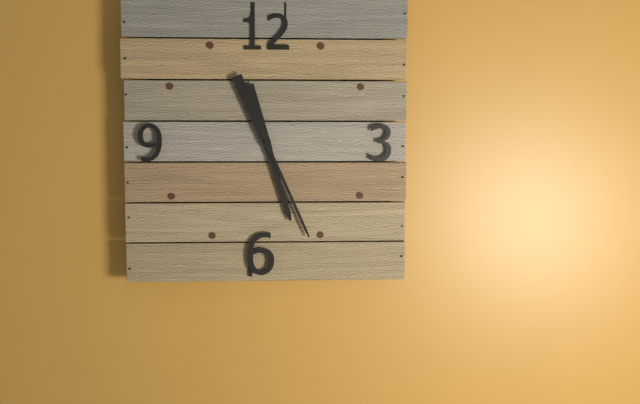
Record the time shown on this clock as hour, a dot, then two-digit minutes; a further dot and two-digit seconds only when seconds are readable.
5.26
